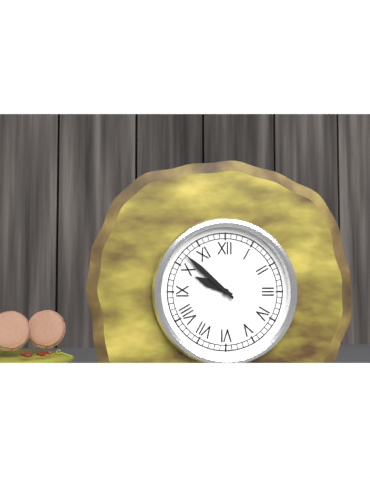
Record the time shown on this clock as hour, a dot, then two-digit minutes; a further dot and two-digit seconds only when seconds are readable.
9.52
